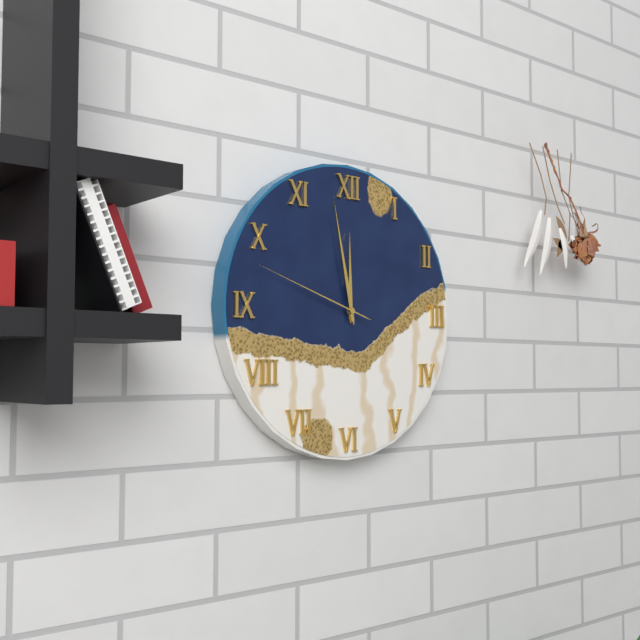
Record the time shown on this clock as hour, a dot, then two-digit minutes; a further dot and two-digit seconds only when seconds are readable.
11.58.48
